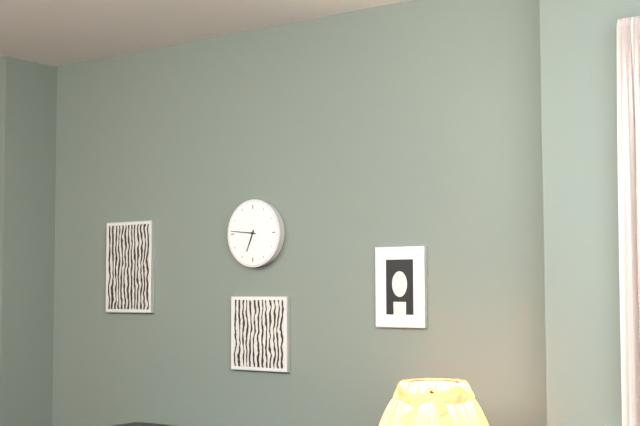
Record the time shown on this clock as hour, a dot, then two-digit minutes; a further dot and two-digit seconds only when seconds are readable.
6.46
